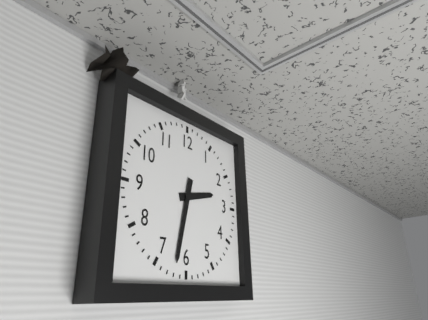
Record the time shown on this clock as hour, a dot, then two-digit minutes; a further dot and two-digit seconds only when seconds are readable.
2.32
